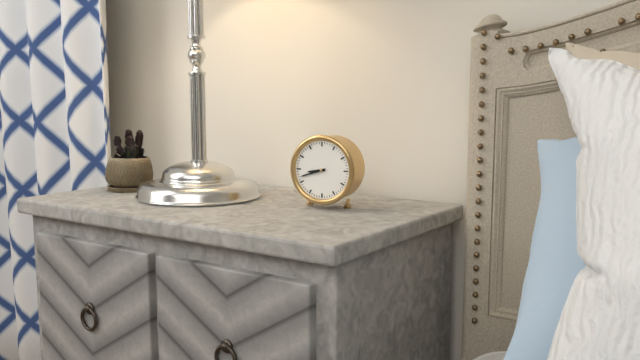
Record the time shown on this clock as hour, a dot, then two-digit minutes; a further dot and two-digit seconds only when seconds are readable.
8.42
